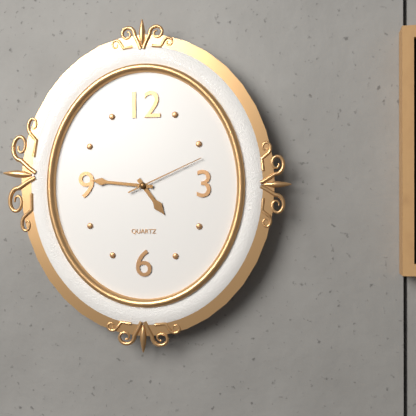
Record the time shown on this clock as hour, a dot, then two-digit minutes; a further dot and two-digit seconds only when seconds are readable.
4.46.11
